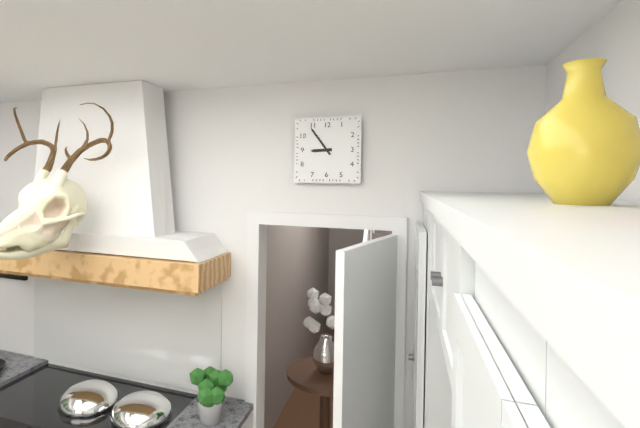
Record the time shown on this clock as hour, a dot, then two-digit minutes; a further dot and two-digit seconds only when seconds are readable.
8.54
